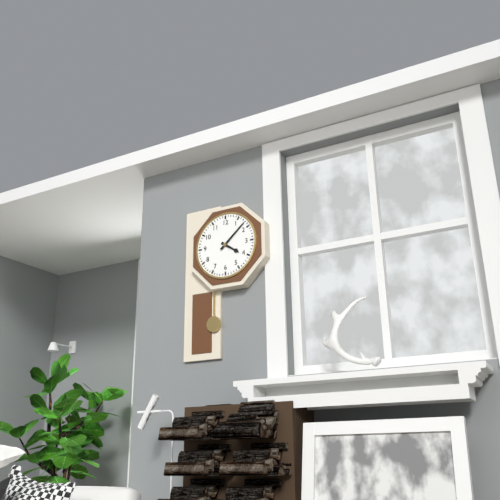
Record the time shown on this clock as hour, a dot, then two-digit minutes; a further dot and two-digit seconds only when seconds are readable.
4.08
